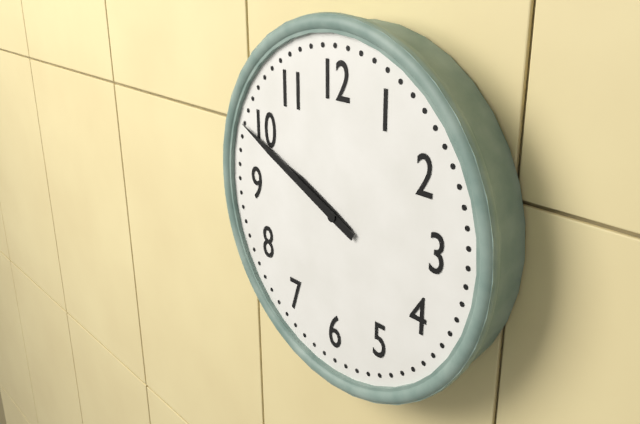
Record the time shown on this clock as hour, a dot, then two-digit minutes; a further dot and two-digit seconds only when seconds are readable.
9.49
